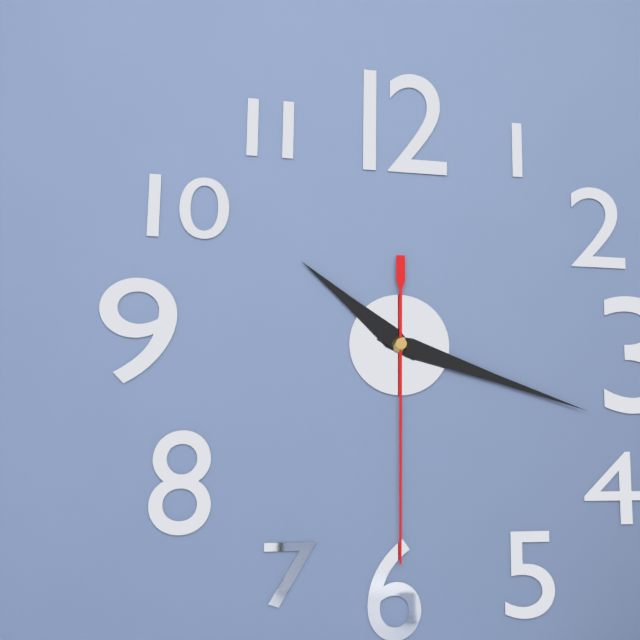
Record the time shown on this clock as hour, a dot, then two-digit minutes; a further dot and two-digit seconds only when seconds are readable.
10.18.30
